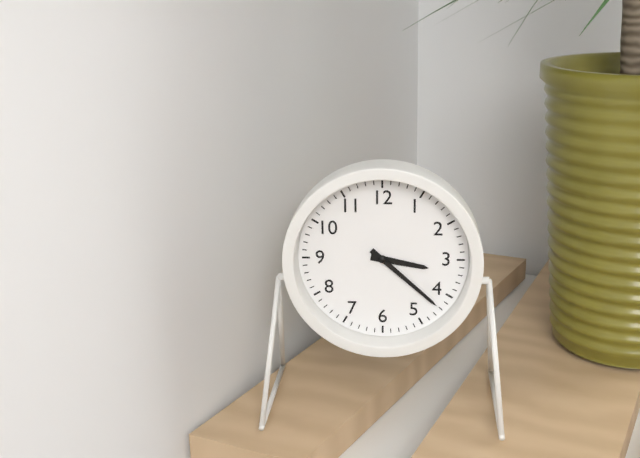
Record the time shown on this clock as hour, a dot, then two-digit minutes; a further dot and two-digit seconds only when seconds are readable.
3.22
